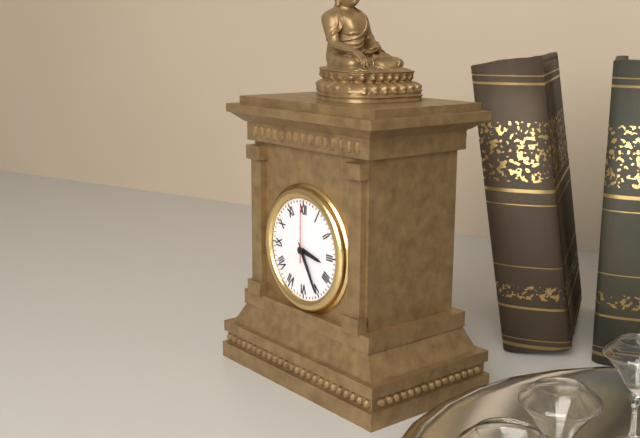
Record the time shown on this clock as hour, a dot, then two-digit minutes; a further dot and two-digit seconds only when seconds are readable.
3.25.00
